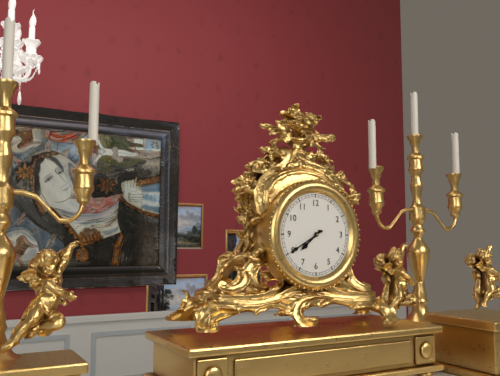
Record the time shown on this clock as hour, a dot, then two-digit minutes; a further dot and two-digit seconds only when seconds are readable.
7.40
